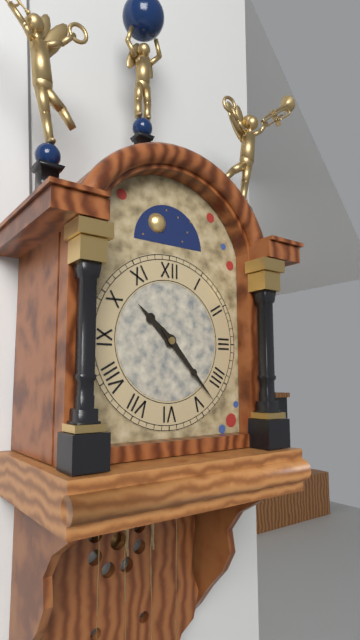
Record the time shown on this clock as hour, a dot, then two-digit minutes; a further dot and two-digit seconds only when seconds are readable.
10.23
